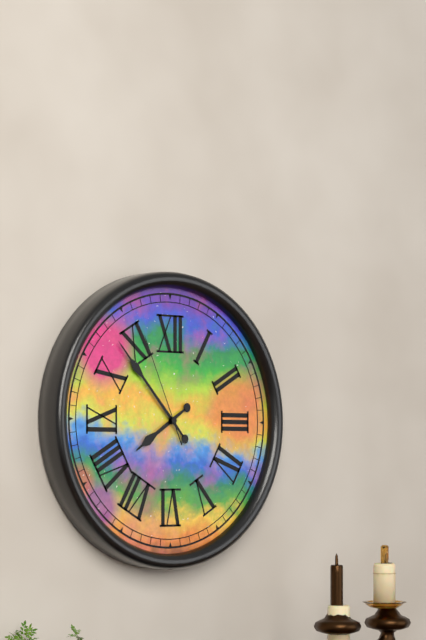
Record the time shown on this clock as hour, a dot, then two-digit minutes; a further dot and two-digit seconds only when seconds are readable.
7.53.56
